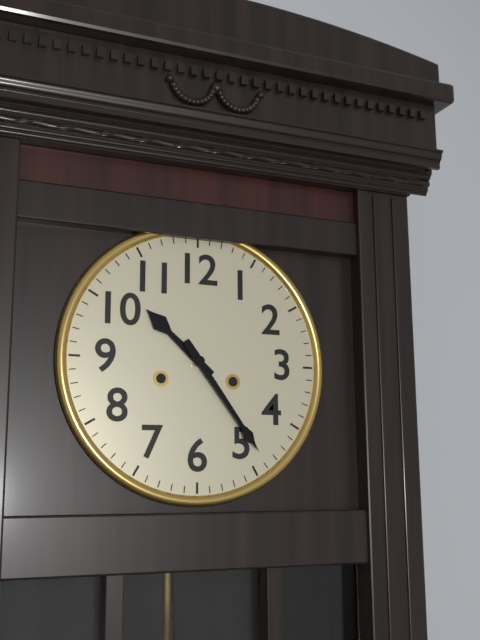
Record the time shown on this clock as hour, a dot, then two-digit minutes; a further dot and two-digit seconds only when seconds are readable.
10.24
